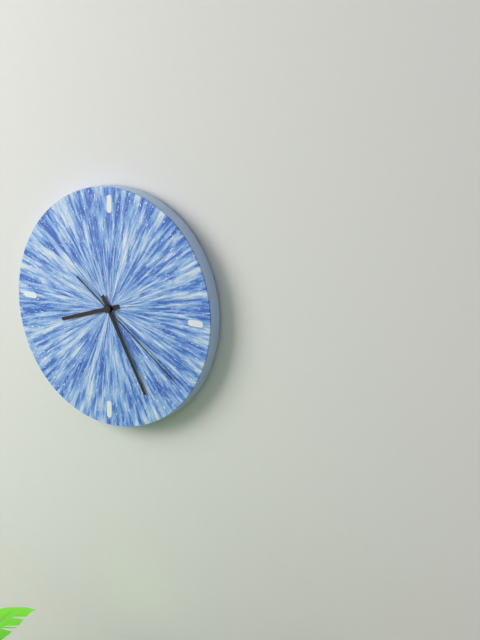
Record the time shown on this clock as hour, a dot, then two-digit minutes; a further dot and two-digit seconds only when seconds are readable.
8.25.21
